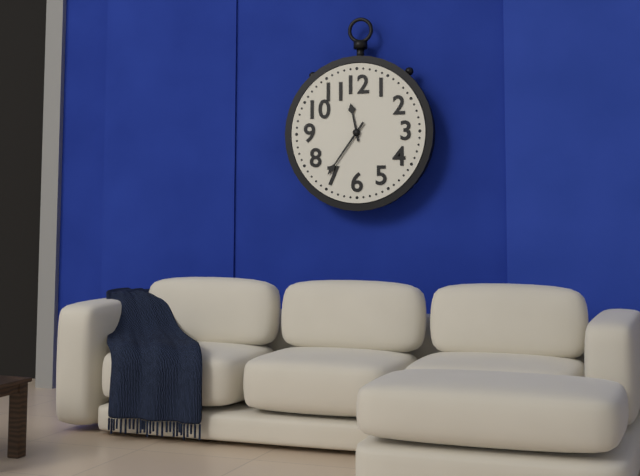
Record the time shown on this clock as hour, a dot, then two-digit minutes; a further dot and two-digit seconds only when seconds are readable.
11.36
